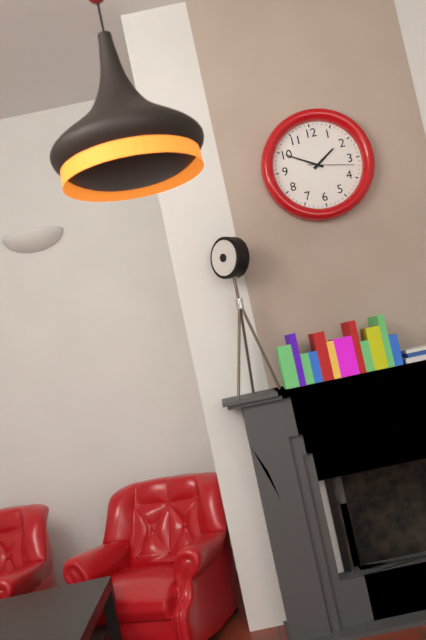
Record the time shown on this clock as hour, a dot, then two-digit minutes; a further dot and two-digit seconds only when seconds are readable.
1.50
